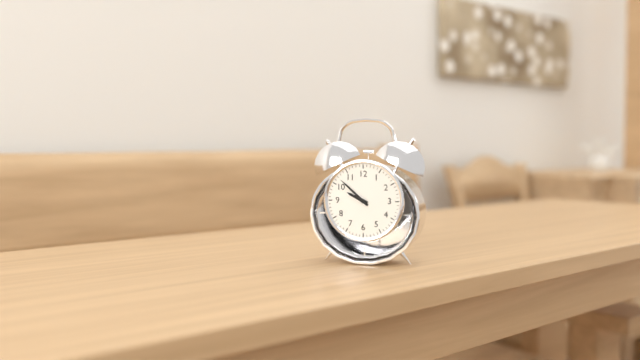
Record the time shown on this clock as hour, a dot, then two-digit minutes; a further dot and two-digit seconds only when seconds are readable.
9.52
